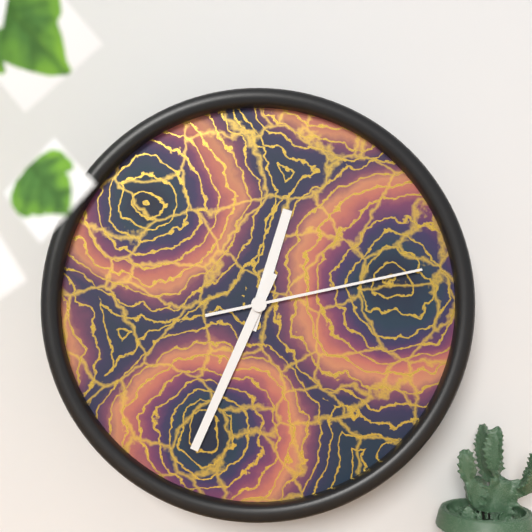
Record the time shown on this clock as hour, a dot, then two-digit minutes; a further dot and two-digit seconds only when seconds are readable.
12.34.13
